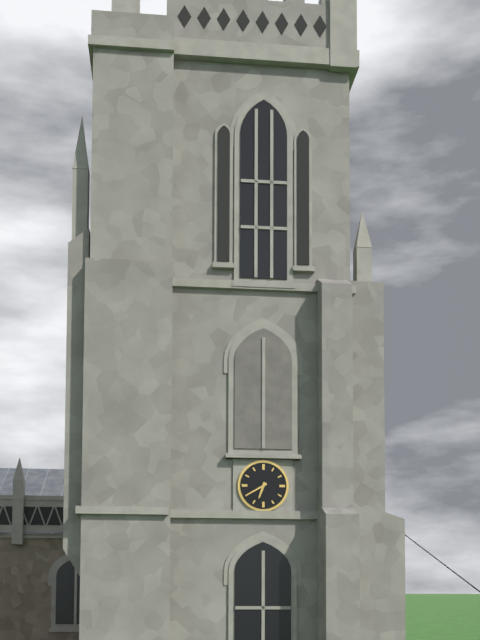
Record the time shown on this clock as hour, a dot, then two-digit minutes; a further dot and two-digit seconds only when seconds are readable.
6.40
